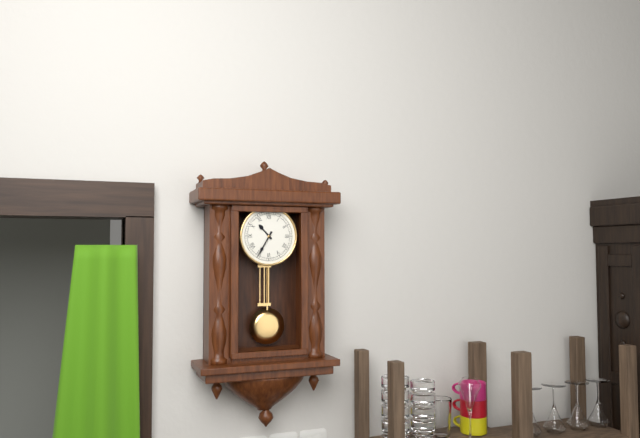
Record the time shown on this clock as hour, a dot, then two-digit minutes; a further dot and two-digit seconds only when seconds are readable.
10.35
